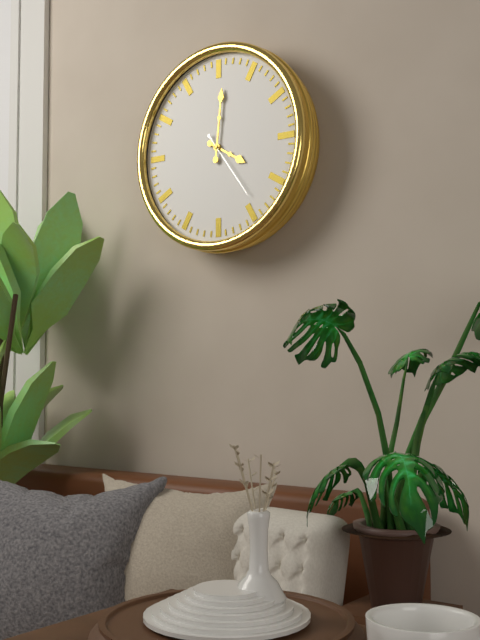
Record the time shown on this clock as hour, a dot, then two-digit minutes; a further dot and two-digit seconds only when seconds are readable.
4.01
